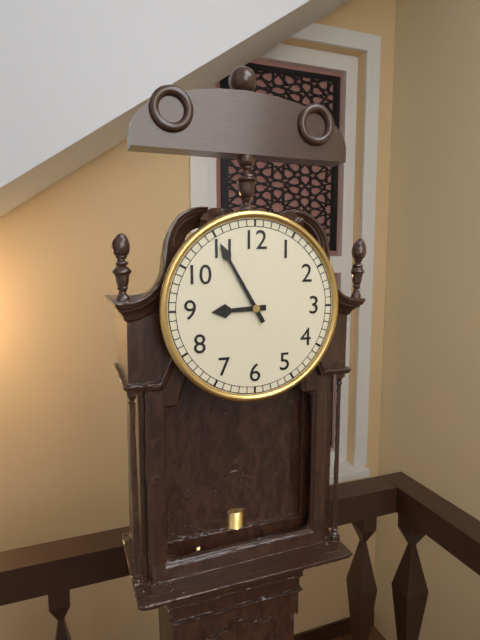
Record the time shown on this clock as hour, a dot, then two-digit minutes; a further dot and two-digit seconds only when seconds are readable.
8.55
